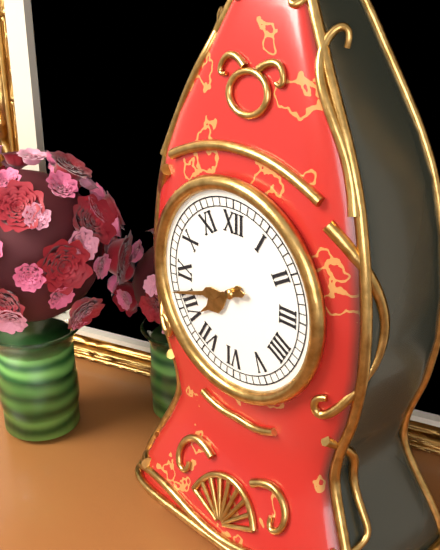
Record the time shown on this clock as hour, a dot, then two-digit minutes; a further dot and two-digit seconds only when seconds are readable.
7.42
